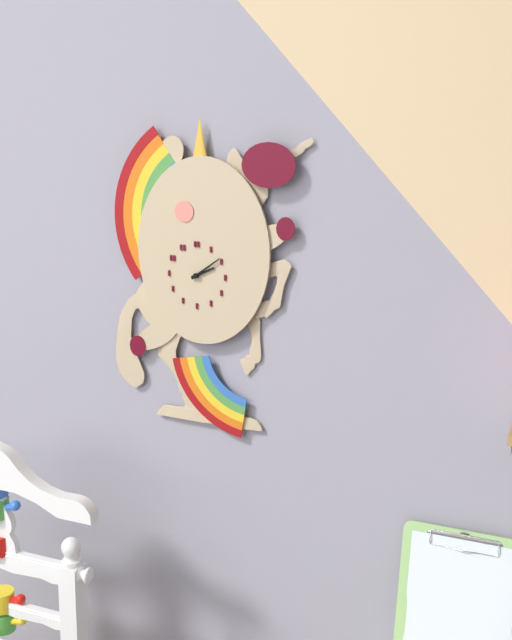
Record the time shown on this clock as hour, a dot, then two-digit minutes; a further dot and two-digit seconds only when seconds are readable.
2.09
